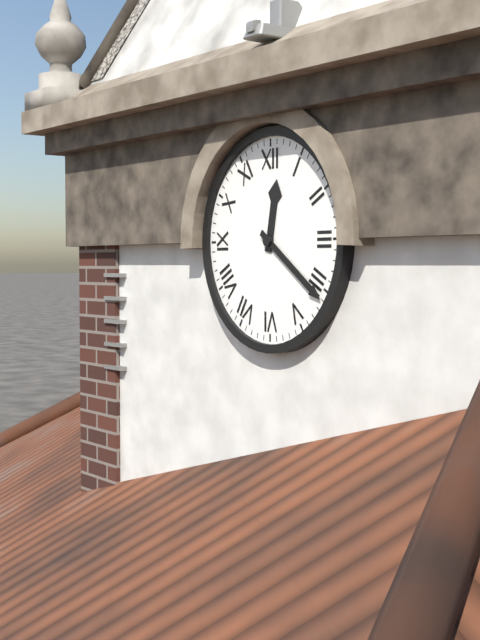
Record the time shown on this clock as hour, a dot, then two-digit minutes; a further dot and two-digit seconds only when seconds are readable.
12.21
